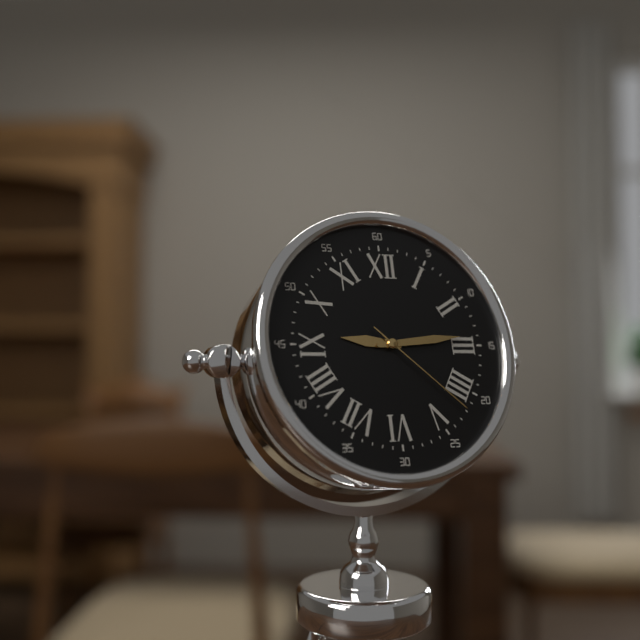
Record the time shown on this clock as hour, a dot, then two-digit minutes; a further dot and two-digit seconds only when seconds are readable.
9.14.22
